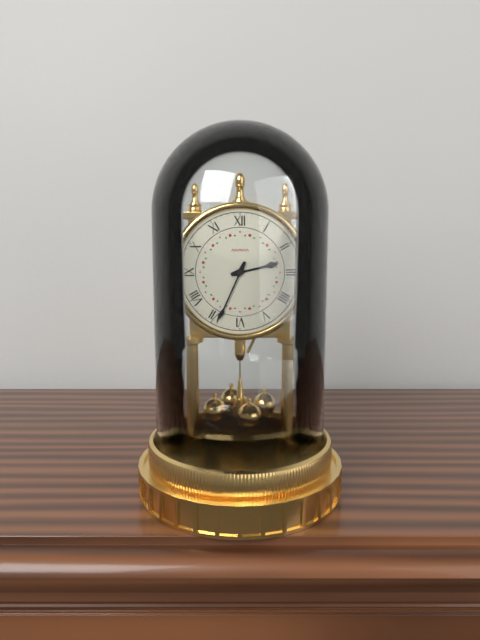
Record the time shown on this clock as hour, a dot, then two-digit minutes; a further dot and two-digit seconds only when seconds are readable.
2.34
